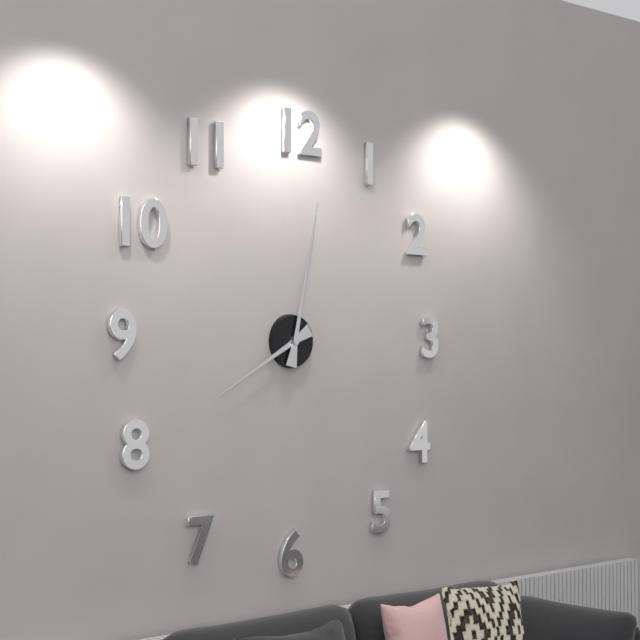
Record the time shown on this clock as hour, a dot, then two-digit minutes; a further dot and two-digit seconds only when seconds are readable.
8.02
